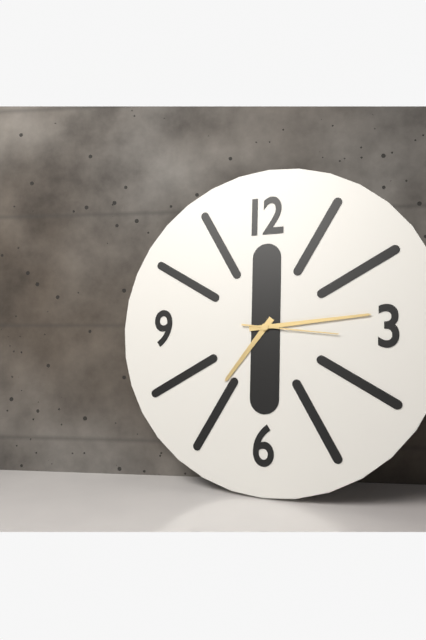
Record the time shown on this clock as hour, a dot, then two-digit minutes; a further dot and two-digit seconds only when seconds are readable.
7.14.16
